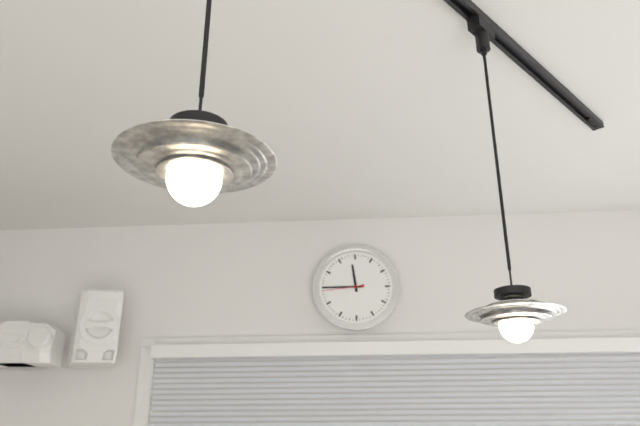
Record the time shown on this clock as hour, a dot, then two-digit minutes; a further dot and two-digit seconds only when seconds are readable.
11.45
